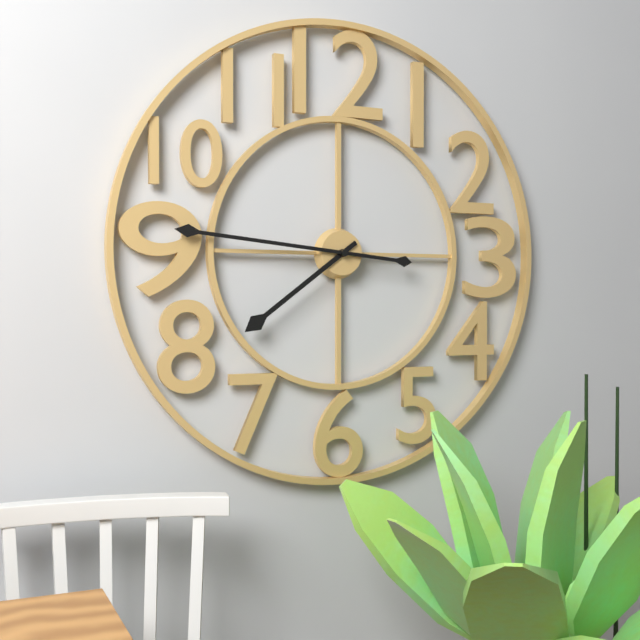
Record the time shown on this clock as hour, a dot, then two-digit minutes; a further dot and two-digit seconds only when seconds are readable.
7.46
